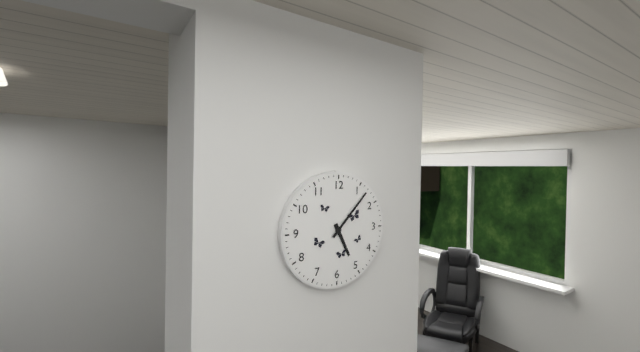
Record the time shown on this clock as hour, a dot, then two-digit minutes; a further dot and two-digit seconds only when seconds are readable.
5.07
